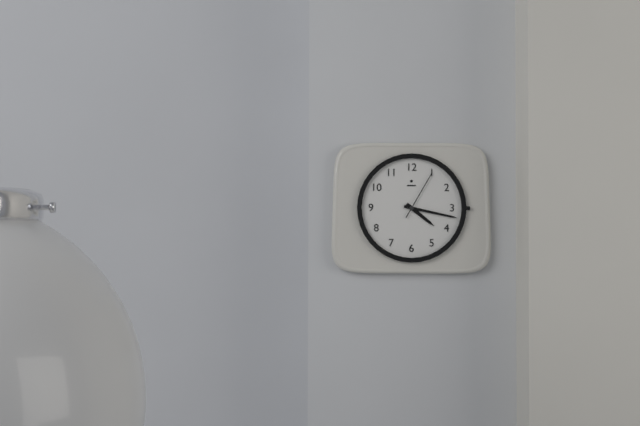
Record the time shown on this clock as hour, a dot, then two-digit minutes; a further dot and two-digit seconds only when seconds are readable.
4.17.05
